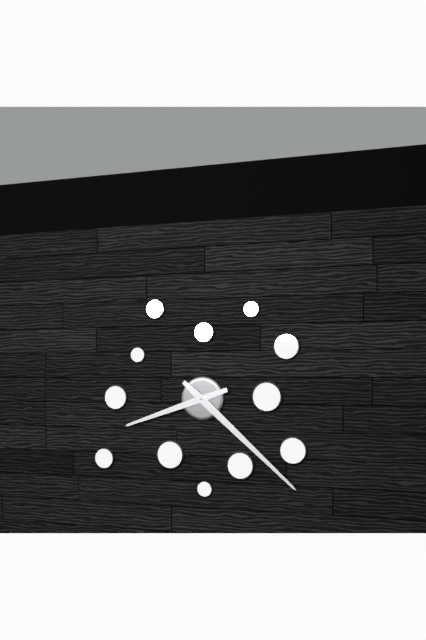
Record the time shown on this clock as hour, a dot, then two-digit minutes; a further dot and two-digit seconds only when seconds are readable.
8.22
